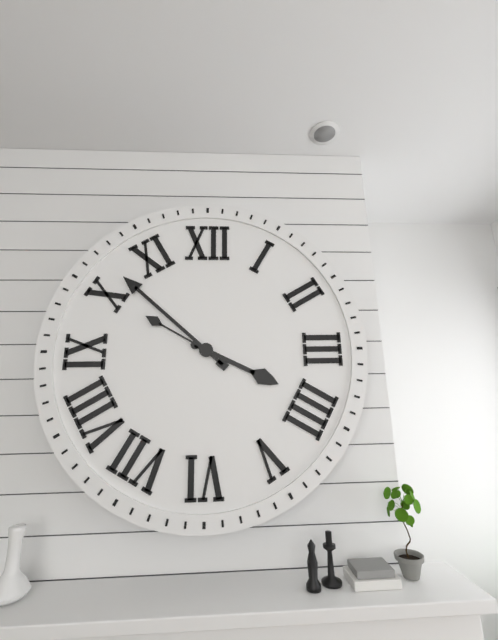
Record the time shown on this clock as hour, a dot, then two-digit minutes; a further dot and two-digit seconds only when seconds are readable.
3.52.50
